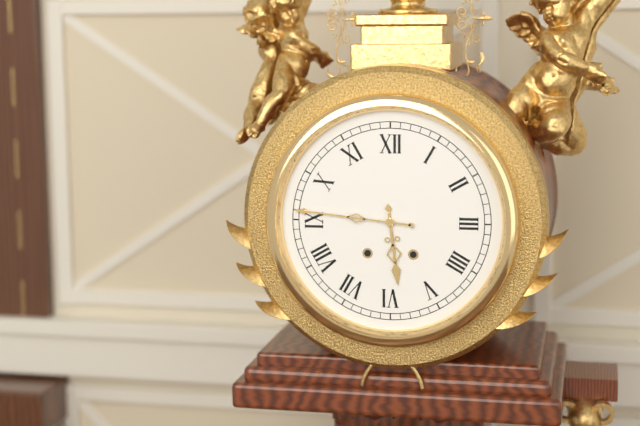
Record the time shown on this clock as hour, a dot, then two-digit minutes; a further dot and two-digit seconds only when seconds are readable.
5.46
